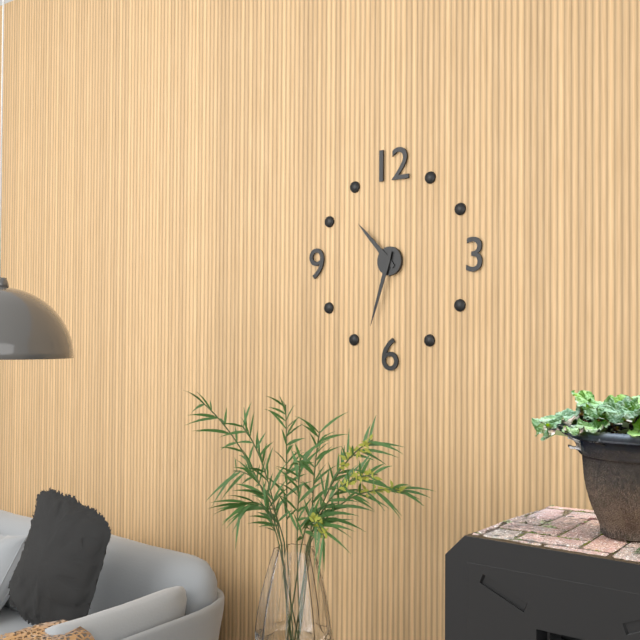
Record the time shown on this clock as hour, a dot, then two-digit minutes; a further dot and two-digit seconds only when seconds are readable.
10.33
